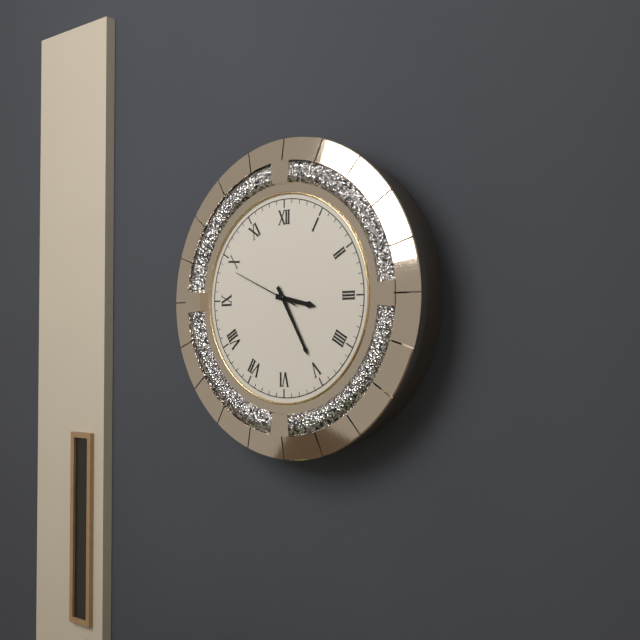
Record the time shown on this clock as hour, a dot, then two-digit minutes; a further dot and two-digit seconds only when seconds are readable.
3.25.49
